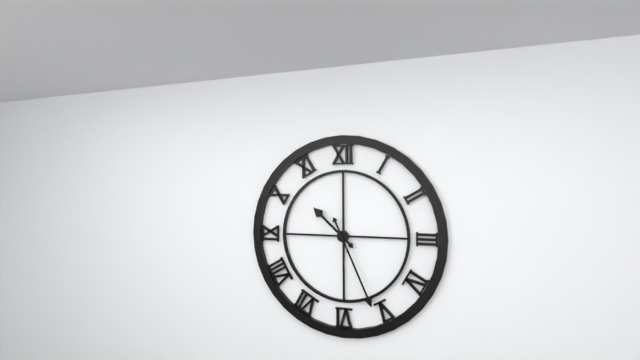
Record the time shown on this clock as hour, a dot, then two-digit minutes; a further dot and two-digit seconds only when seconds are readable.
10.26
